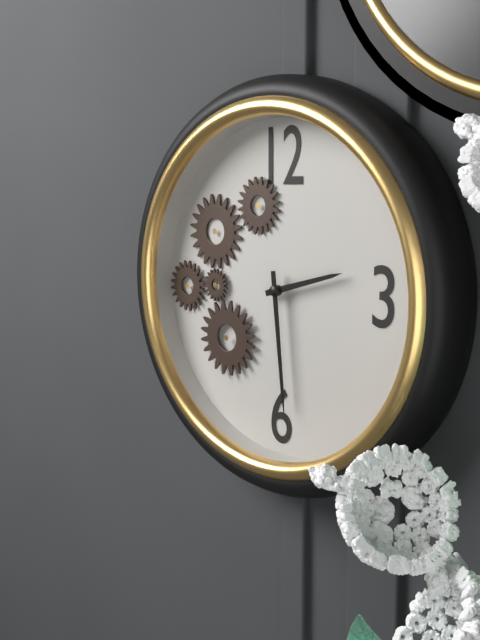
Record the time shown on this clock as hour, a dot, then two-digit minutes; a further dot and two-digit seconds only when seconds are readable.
2.29
